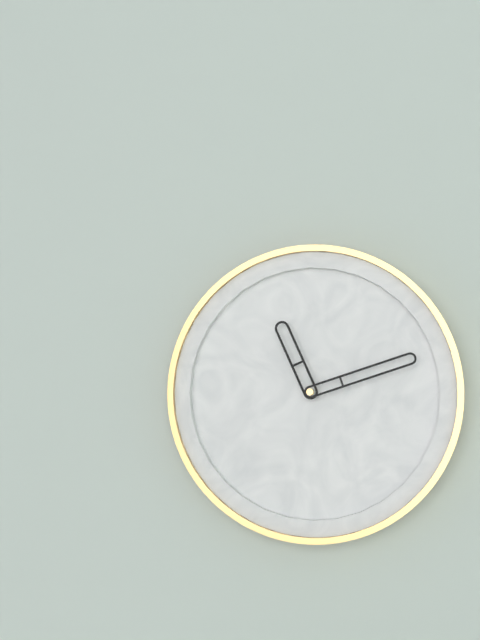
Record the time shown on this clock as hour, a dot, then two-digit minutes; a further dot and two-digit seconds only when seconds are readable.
11.12
